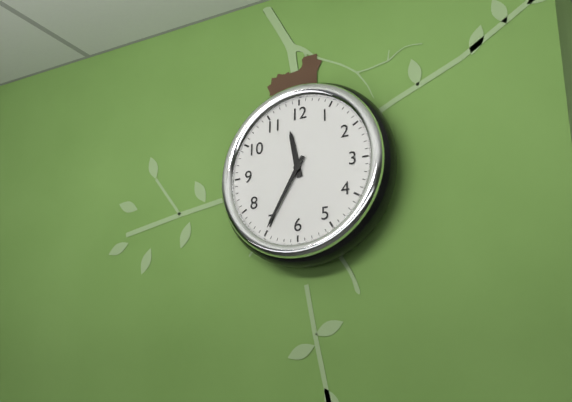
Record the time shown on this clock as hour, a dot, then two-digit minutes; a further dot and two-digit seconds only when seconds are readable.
11.35
